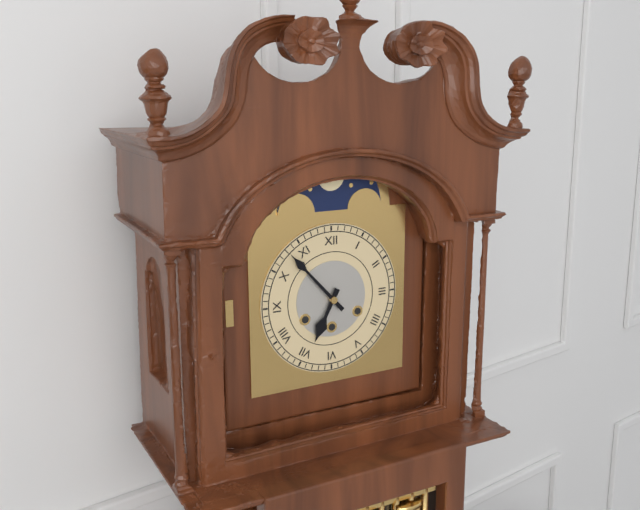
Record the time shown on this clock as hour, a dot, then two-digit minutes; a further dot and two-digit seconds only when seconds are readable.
6.53
